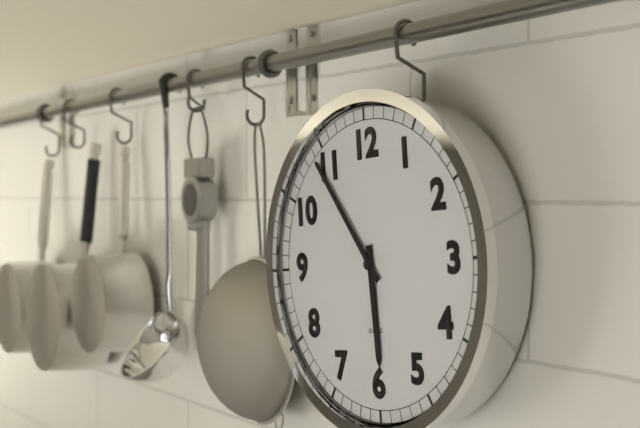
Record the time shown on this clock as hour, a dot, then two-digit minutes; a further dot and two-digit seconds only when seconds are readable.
5.54
